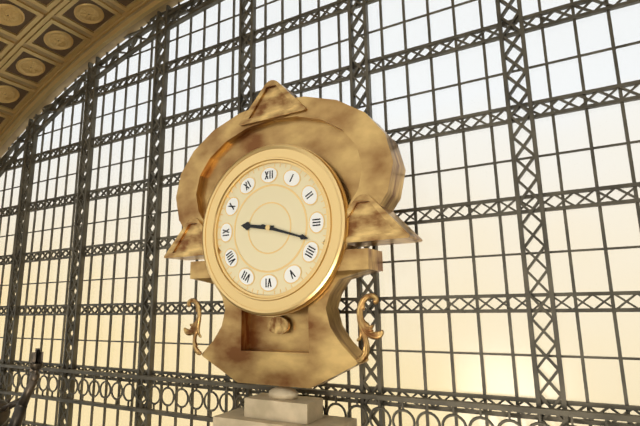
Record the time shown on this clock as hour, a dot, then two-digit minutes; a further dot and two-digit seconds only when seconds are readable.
9.18
